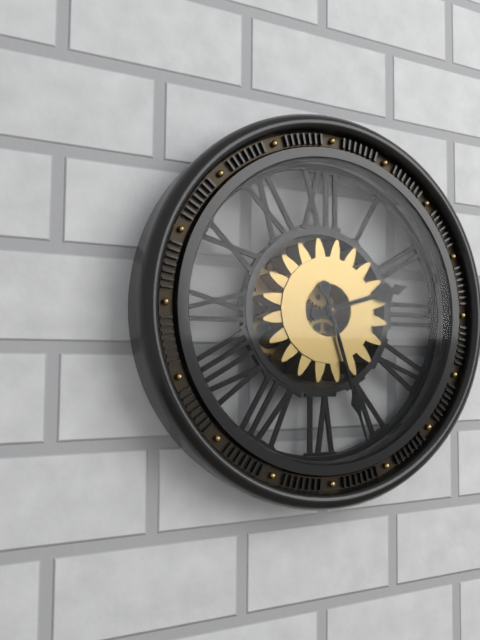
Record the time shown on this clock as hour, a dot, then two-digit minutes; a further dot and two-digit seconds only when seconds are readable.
2.27
